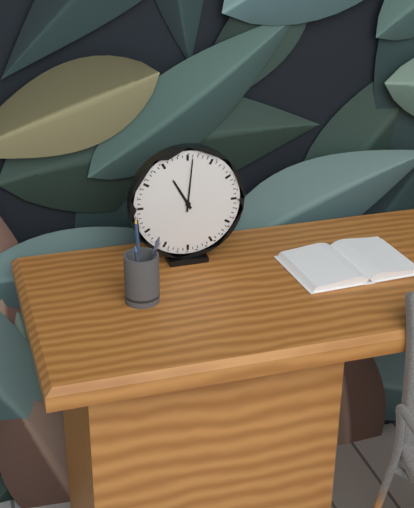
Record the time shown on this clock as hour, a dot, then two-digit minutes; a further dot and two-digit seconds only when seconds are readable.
11.01
